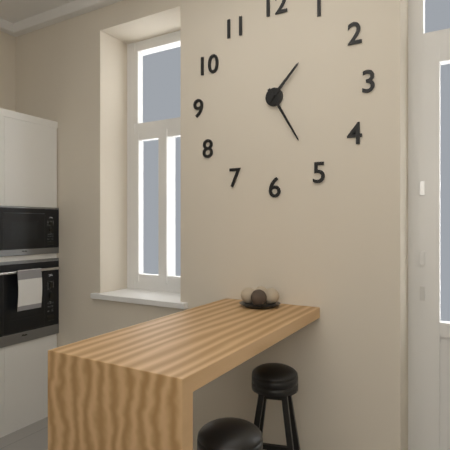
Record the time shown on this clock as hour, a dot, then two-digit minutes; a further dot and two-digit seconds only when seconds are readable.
1.25
